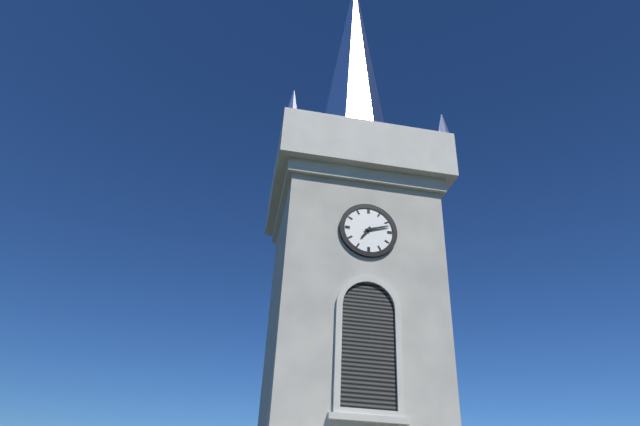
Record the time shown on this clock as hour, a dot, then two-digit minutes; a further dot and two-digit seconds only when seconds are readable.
7.12
